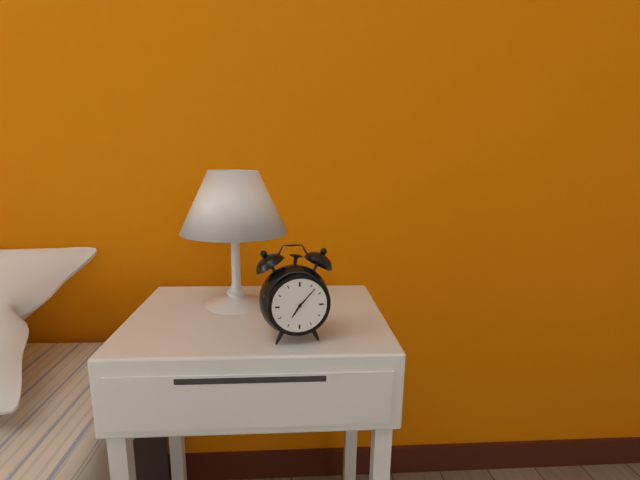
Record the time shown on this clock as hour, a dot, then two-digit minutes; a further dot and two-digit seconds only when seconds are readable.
7.07
